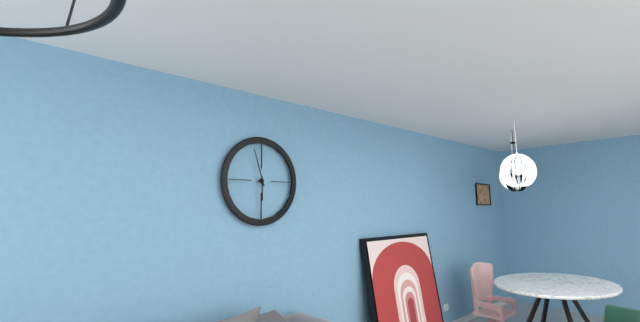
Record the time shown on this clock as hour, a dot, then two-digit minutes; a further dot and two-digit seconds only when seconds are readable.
5.57
